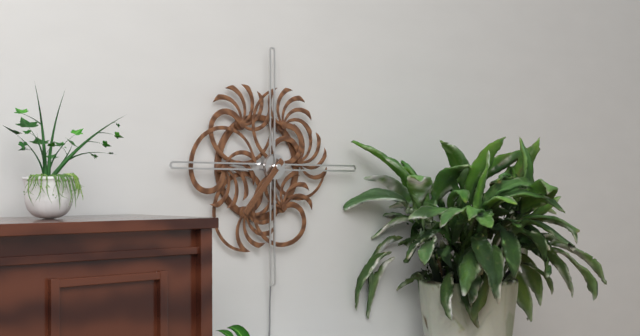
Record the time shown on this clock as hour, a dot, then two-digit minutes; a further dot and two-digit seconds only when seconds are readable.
11.37
